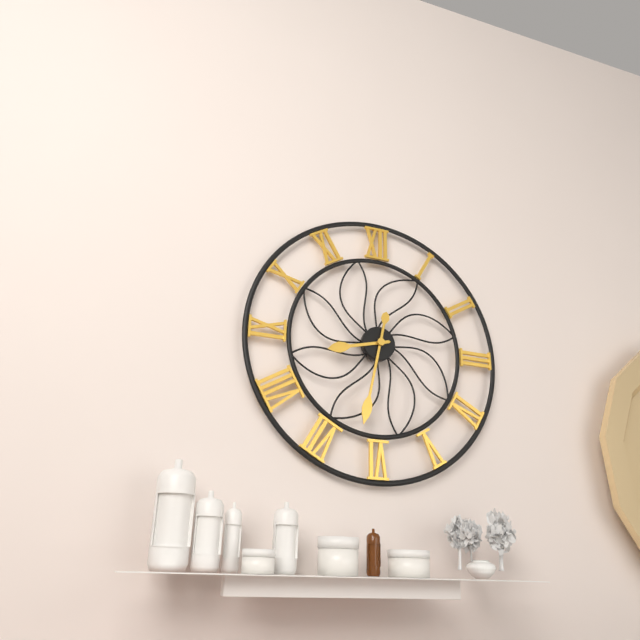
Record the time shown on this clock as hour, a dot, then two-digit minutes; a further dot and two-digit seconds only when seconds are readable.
8.32
